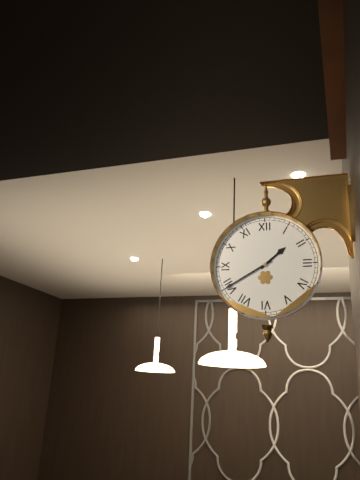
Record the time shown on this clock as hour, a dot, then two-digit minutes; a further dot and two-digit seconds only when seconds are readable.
1.40
